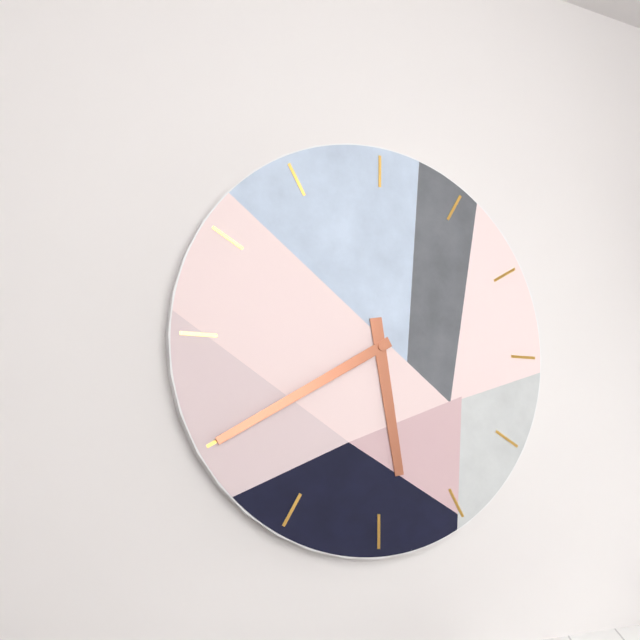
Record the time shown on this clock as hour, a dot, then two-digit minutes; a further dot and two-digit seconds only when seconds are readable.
5.40
